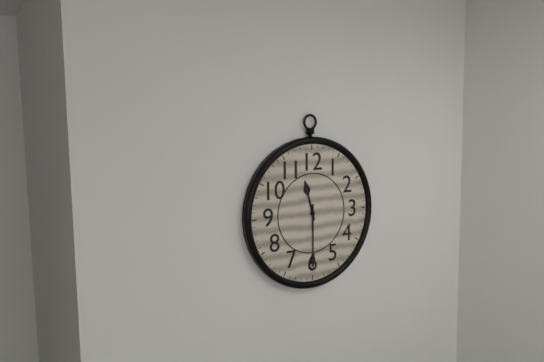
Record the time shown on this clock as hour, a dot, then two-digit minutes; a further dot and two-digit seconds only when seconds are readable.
11.30
